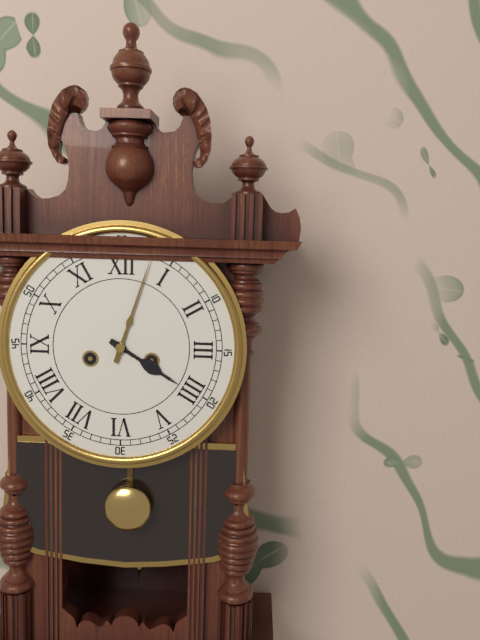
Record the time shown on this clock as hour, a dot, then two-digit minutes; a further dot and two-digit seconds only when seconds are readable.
4.03
